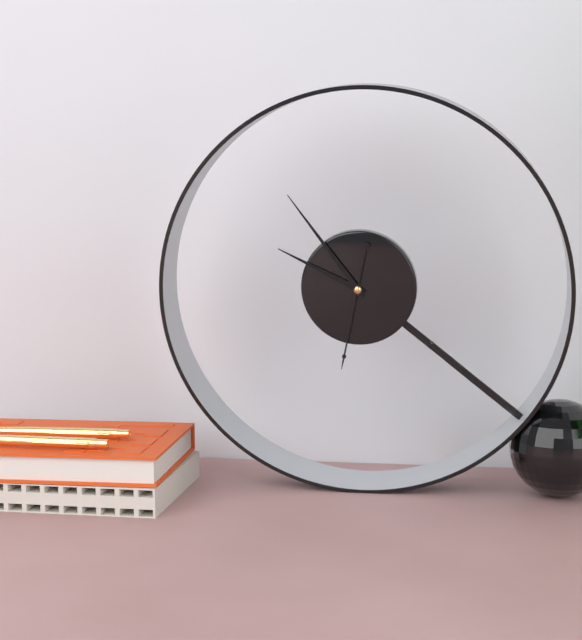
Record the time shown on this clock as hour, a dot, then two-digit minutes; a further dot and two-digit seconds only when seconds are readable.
9.54.32
